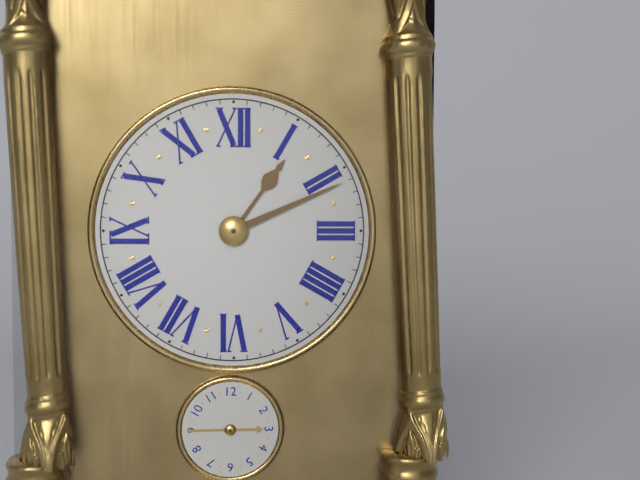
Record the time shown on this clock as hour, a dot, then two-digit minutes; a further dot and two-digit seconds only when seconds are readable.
1.11
